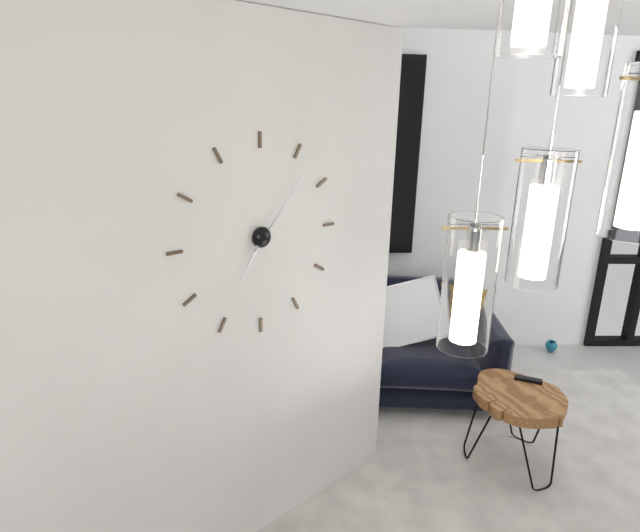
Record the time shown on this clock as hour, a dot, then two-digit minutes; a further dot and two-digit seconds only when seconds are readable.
7.07
